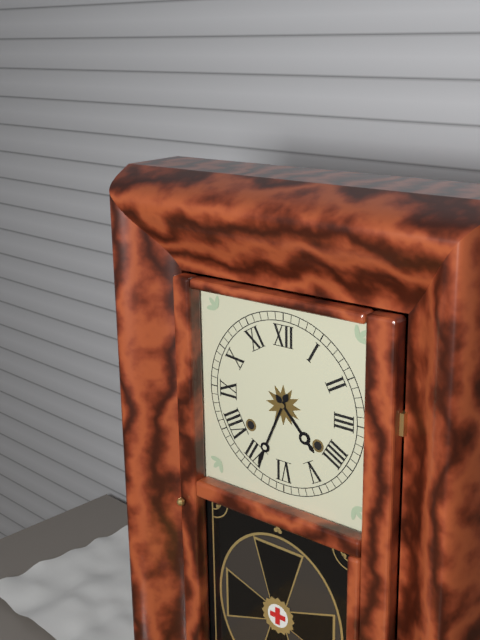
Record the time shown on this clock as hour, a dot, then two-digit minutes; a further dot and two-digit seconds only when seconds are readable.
4.34
